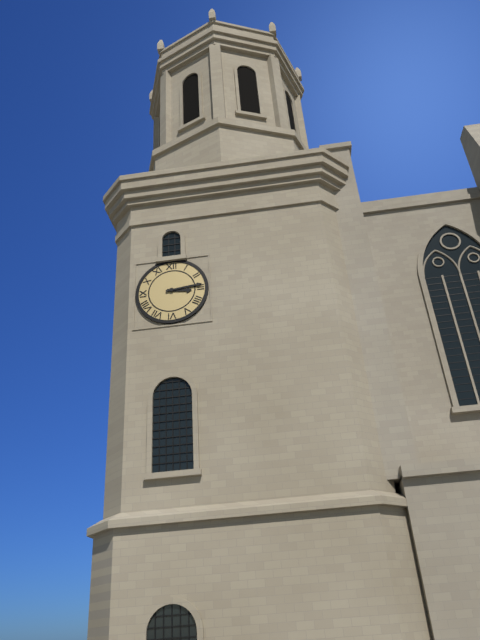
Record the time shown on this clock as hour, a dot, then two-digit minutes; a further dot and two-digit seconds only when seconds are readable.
3.14
